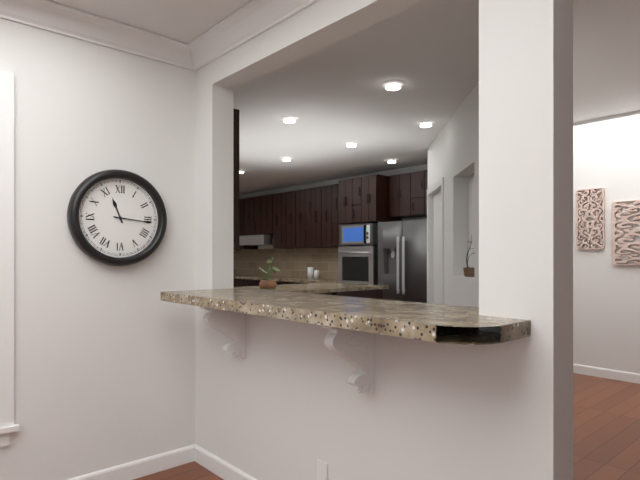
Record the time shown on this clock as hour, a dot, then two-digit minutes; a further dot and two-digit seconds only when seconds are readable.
11.16
